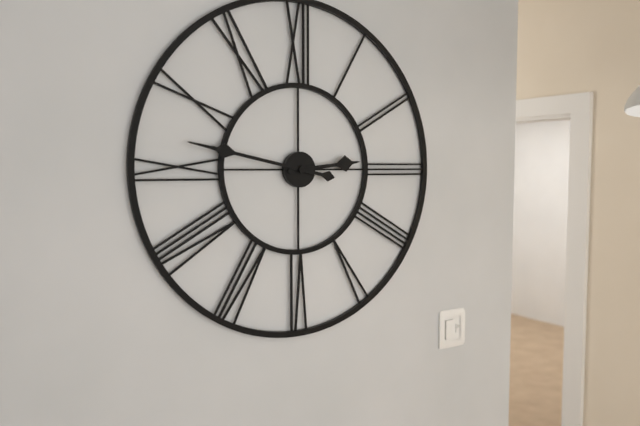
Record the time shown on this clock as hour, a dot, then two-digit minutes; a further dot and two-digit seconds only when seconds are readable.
2.47
